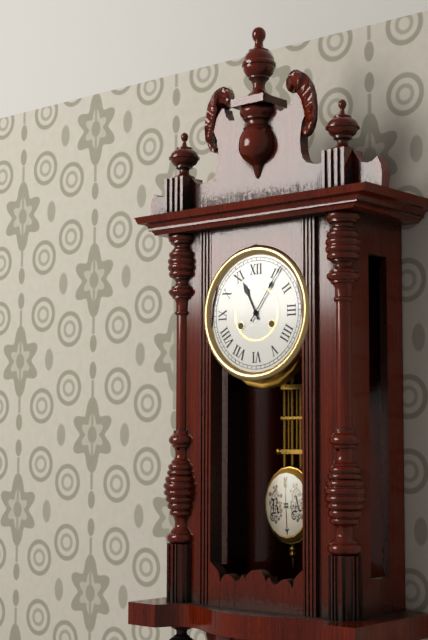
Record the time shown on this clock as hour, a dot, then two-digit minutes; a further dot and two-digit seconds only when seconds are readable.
11.06
